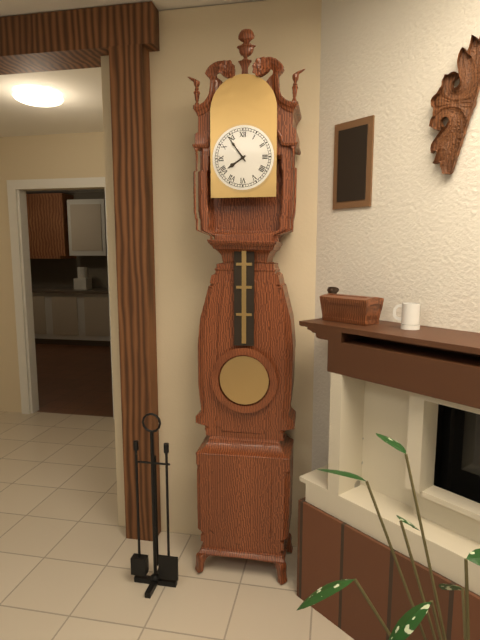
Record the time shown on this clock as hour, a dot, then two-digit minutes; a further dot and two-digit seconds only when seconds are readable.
7.54
